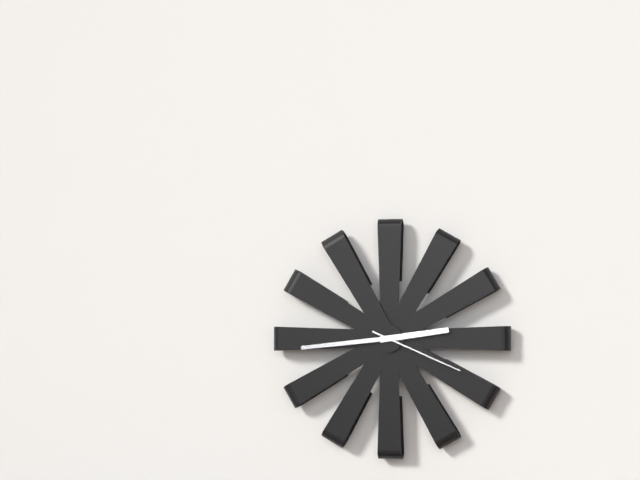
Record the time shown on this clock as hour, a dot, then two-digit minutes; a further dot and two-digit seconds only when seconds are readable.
2.44.19
